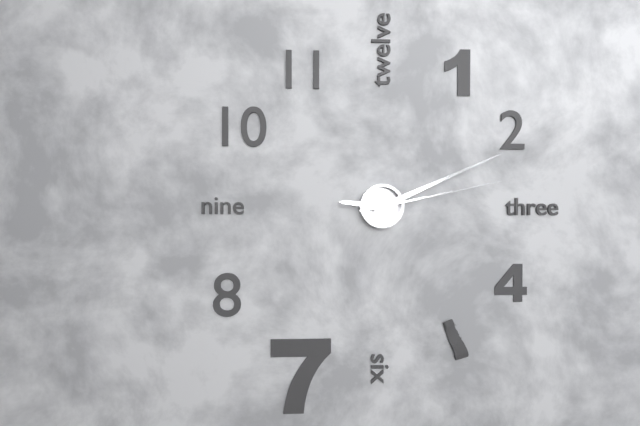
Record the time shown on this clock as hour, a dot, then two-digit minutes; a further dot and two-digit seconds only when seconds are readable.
9.11.13
